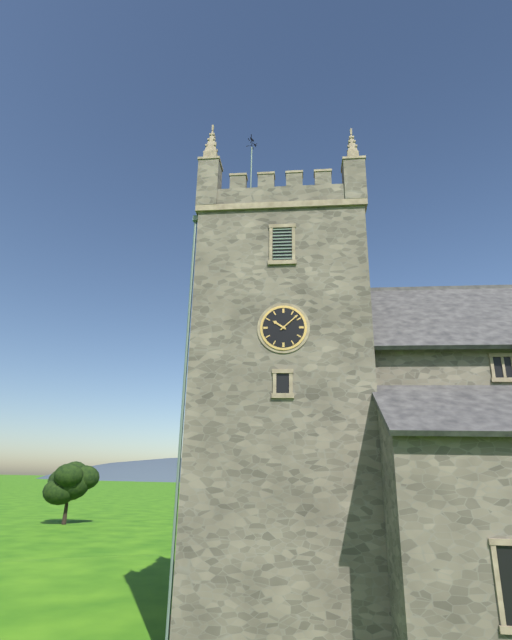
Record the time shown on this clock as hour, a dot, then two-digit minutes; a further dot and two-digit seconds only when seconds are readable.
10.08
